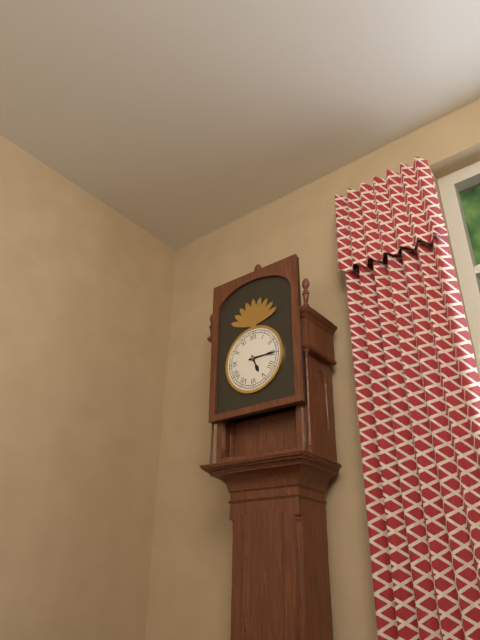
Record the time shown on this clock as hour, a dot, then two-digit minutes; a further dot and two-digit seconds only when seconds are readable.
5.15
